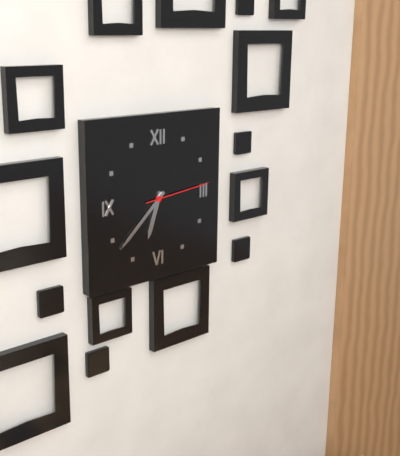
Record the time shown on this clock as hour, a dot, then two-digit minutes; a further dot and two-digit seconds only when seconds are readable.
6.38.14
